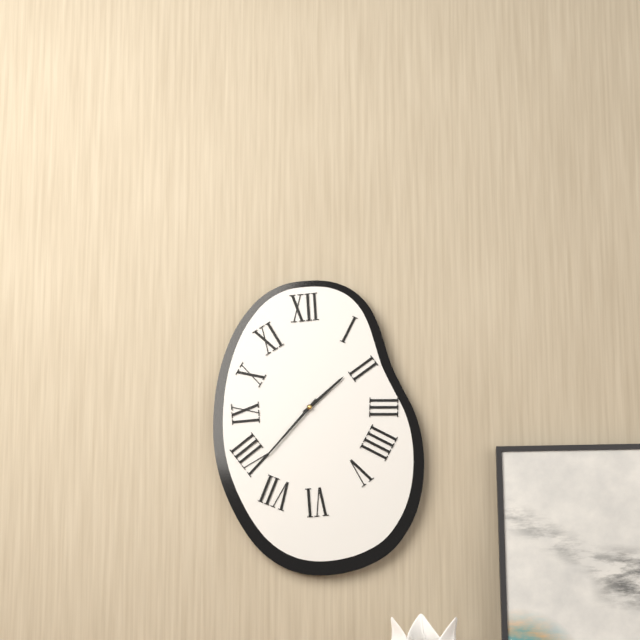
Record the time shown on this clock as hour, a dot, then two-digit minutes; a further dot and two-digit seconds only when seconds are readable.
1.37
